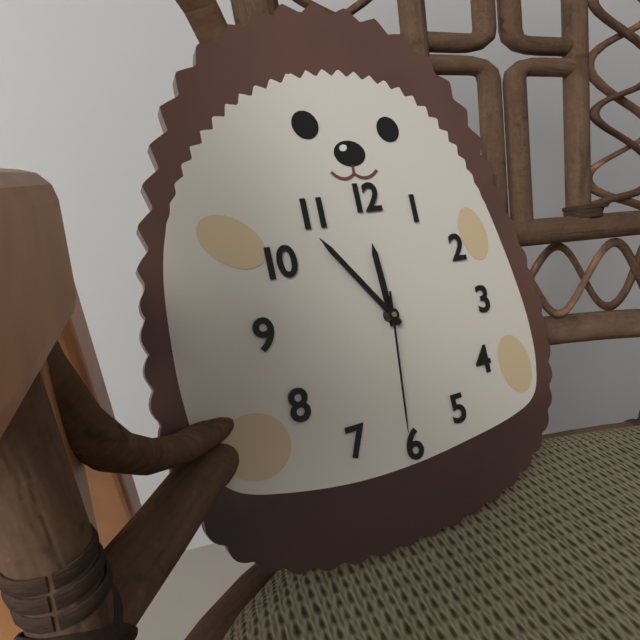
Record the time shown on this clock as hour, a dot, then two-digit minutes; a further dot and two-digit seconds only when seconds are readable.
11.54.31
